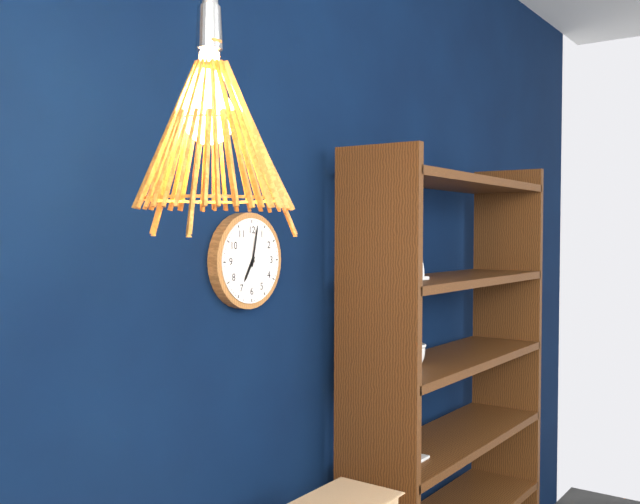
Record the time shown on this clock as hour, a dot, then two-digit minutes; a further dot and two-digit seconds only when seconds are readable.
7.02
